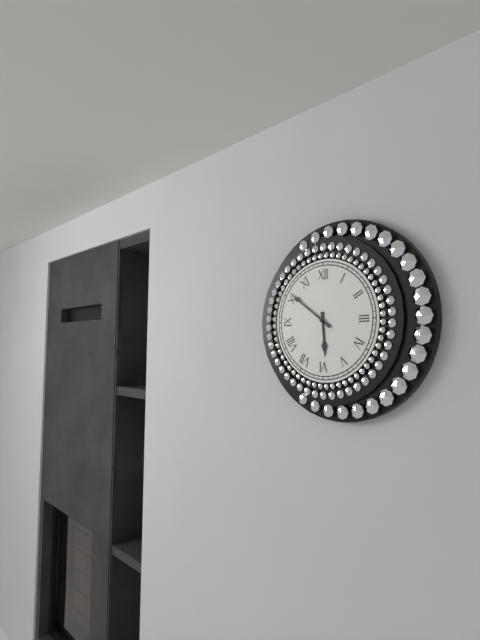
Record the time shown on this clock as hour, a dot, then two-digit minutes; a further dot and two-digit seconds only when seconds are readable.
5.51
